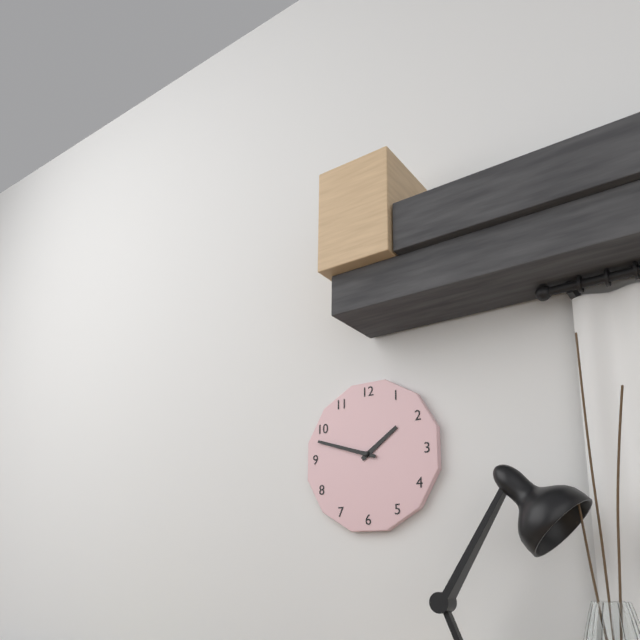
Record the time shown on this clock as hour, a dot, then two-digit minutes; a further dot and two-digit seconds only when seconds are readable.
1.48
